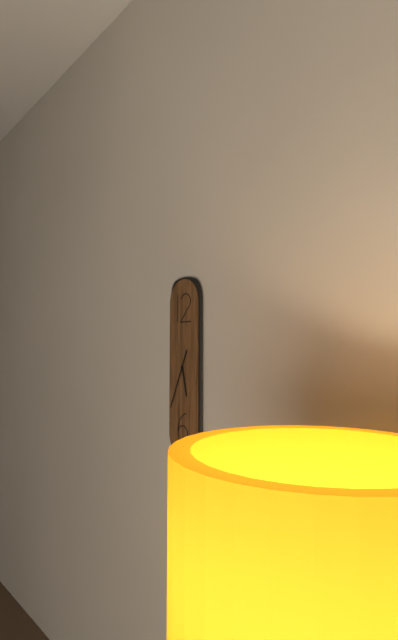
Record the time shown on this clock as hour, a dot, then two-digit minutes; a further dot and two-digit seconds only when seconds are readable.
5.34
